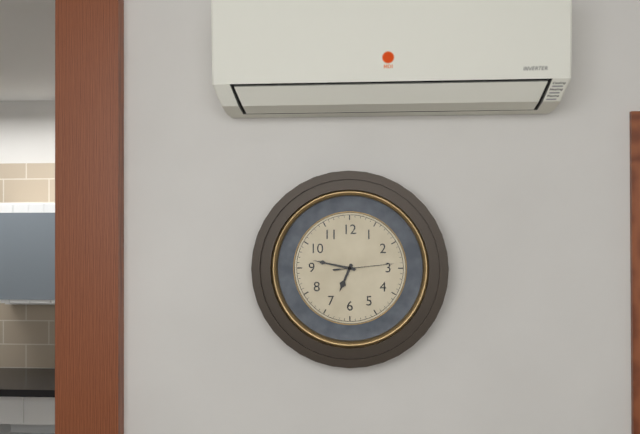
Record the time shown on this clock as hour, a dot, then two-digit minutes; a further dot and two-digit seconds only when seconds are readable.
6.47.14
